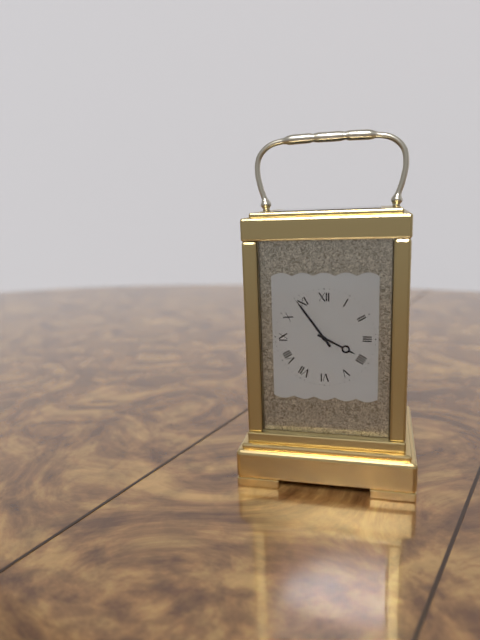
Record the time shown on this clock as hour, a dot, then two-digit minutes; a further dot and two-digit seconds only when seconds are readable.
3.54
